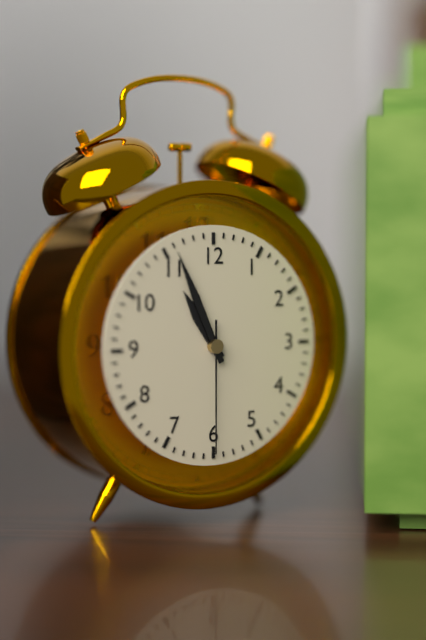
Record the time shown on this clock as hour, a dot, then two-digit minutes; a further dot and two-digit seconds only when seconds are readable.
10.56.30
